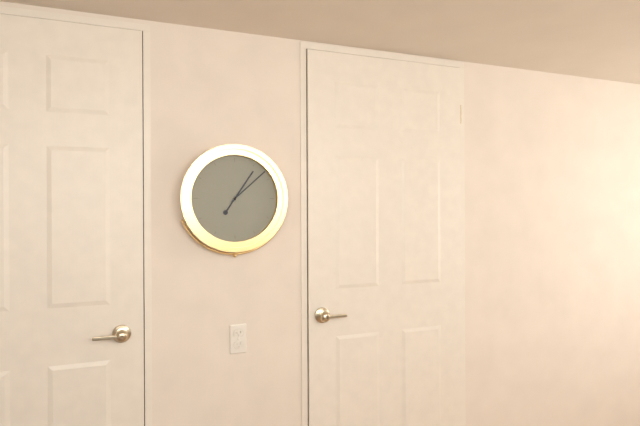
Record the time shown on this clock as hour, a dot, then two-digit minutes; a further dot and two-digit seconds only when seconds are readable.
1.08
